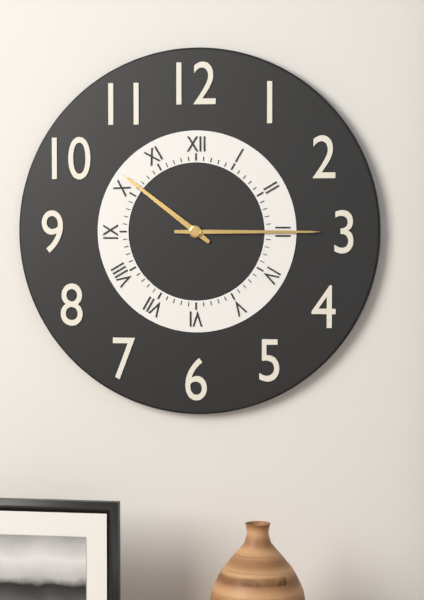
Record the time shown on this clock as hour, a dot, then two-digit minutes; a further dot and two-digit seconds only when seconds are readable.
10.15
